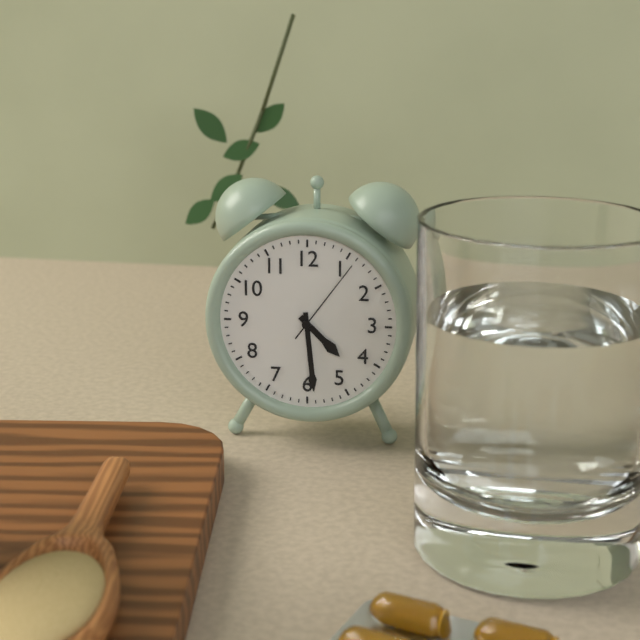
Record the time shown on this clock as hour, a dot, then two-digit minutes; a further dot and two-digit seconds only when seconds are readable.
4.29.06
